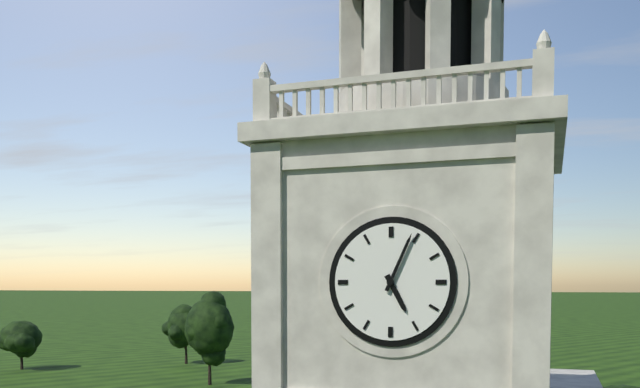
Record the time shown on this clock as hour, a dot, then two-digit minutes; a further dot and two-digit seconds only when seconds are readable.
5.04
